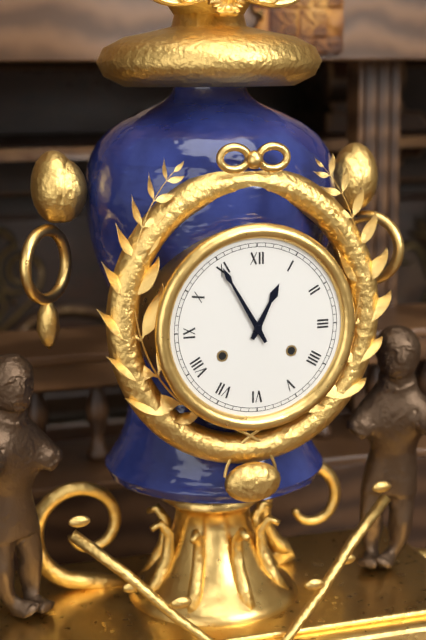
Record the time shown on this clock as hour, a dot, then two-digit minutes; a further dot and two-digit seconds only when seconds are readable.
12.55
